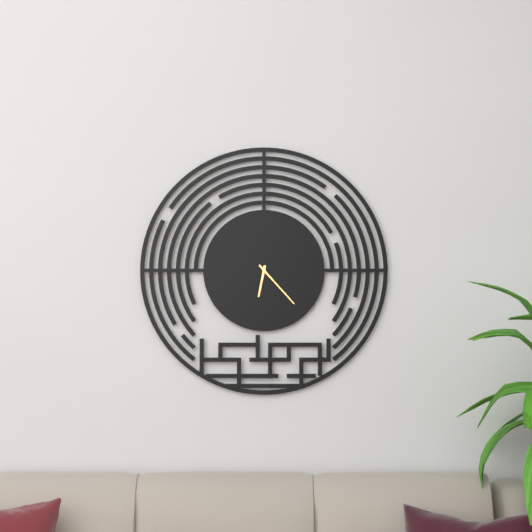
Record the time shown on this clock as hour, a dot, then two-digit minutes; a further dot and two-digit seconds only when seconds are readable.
6.23
